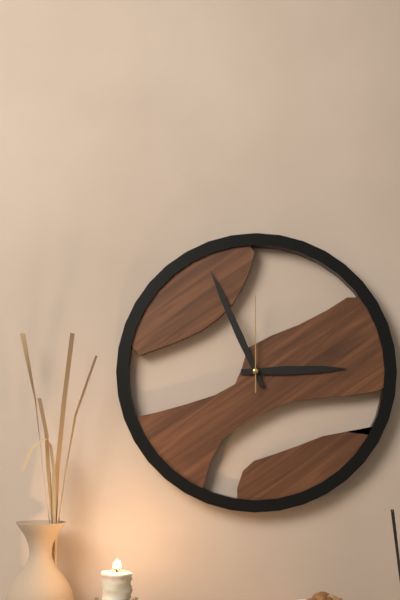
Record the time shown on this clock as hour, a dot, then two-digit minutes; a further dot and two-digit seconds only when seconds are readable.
2.56.00
